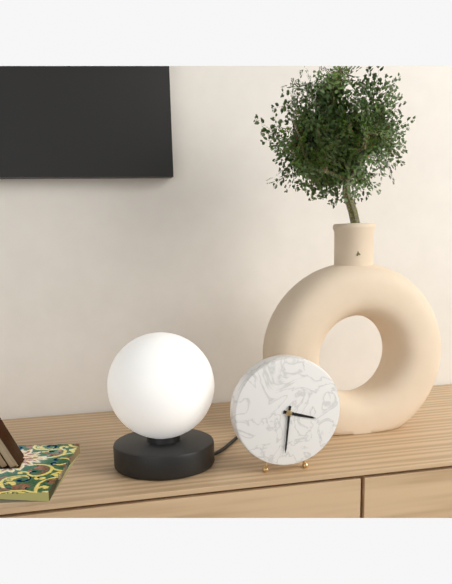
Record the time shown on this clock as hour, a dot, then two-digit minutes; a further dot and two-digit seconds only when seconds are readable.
3.31
